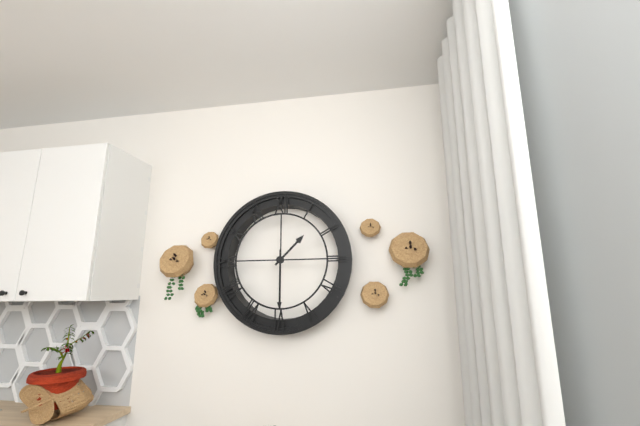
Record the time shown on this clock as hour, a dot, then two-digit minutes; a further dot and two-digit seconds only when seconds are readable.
1.30
